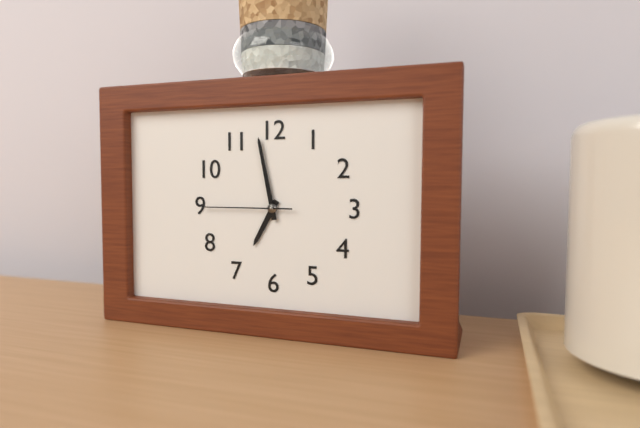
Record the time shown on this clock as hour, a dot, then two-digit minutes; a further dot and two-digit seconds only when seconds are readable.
6.58.45
